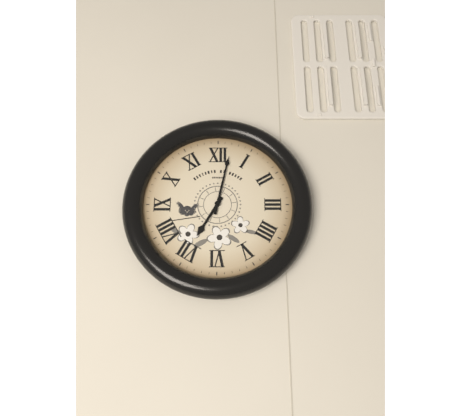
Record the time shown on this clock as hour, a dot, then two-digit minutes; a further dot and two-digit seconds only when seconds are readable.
7.02
